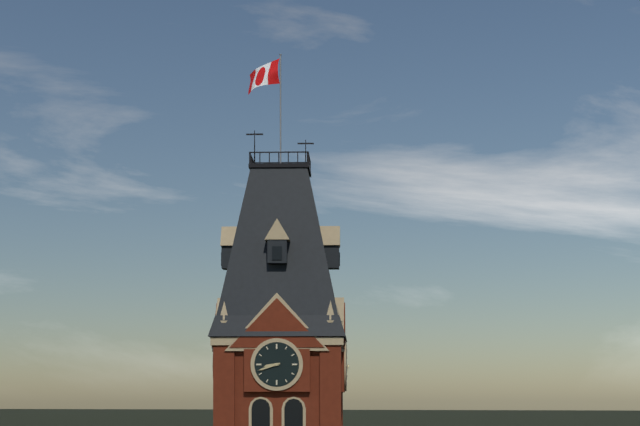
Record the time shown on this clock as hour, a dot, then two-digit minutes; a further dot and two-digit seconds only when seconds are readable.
8.42
